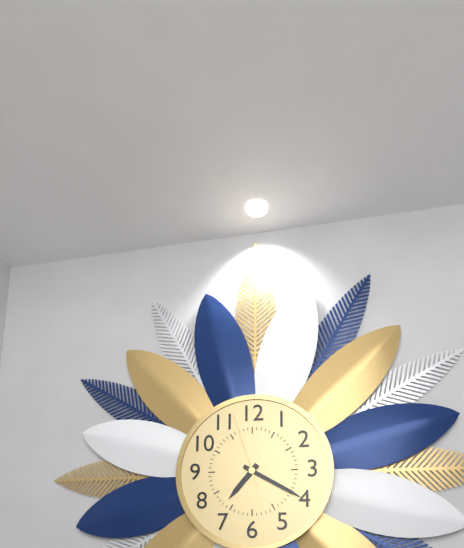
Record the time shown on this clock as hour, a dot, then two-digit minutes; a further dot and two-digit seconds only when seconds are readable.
7.20.57
